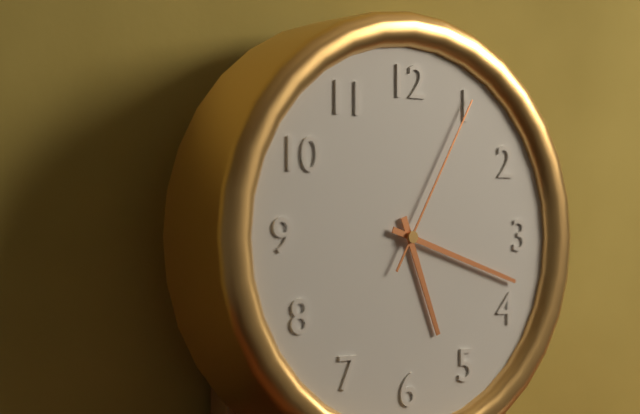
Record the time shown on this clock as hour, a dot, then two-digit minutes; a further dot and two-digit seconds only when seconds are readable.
5.18.05
